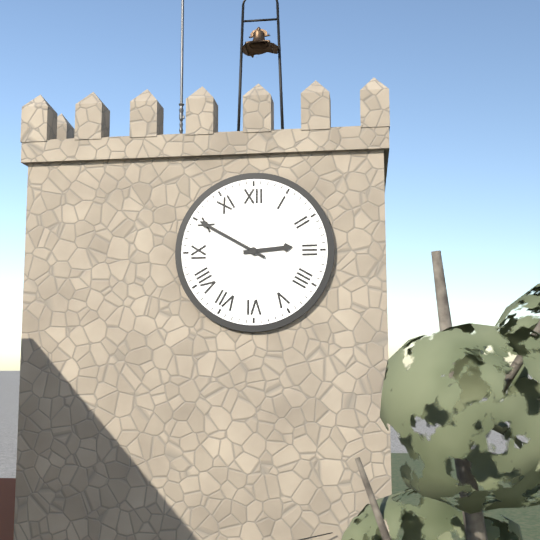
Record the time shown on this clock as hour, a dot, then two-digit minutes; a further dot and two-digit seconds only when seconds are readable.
2.50
